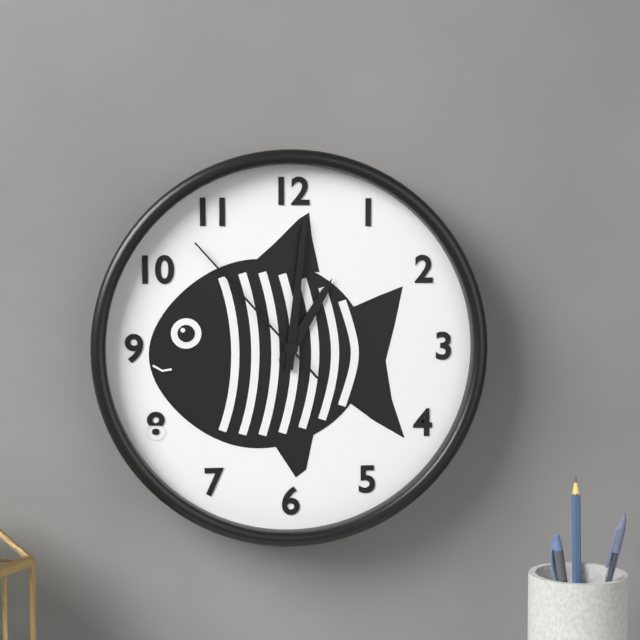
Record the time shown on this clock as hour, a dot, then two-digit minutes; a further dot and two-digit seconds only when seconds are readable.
1.01.53
